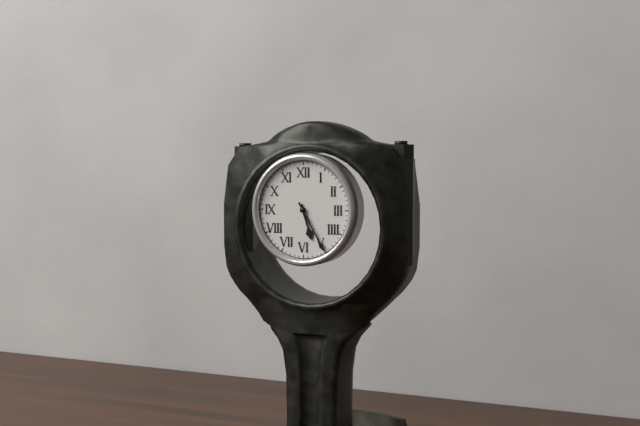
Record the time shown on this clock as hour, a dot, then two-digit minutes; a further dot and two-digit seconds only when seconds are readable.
5.25
